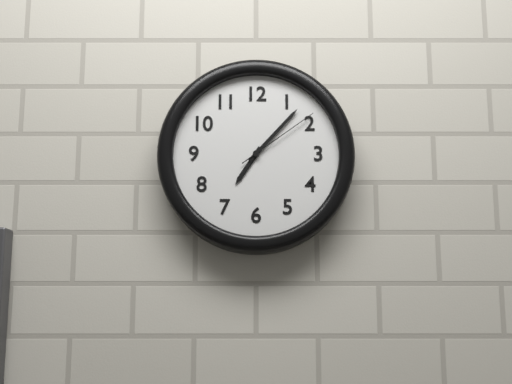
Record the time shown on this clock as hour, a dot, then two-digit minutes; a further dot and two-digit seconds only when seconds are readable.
7.07.09
